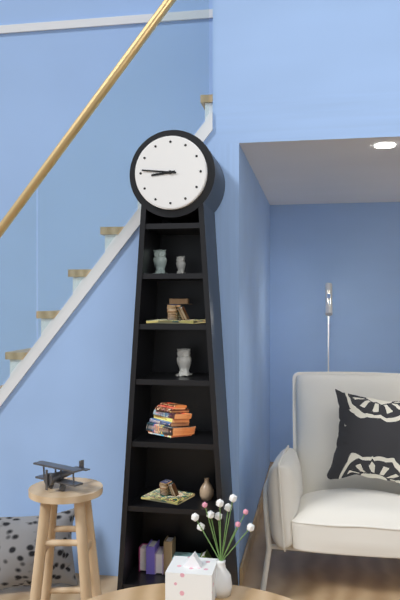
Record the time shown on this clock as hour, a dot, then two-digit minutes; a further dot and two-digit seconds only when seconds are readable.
8.46
